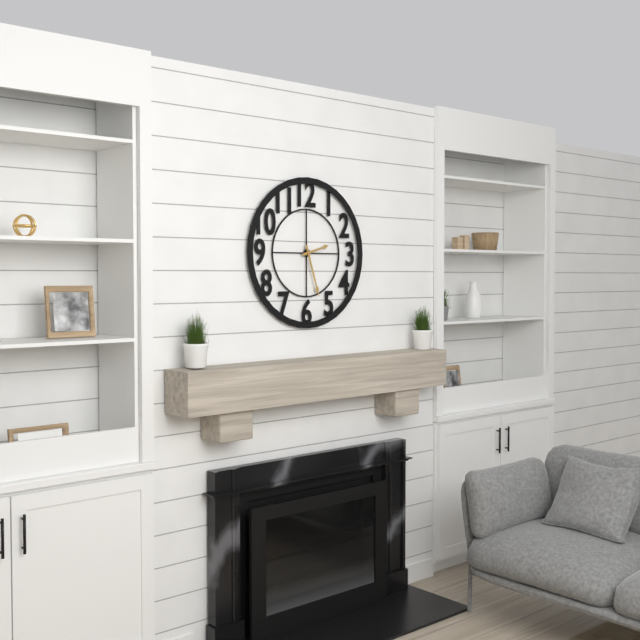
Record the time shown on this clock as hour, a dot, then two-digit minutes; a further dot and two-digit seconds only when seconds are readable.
2.27
